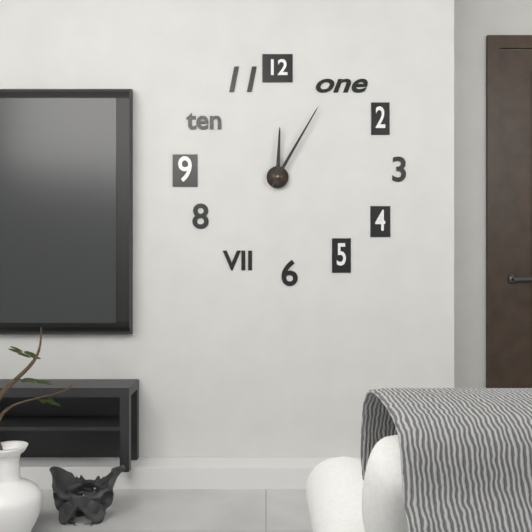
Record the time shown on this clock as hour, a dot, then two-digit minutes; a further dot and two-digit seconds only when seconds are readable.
12.05
